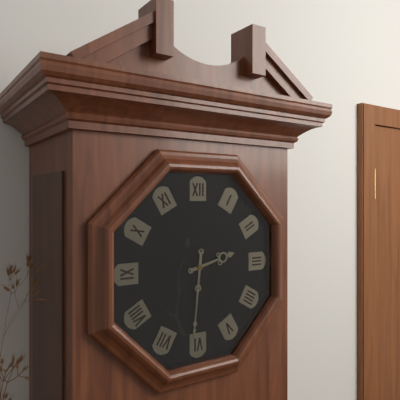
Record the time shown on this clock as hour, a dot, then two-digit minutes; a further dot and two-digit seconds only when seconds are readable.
2.31
